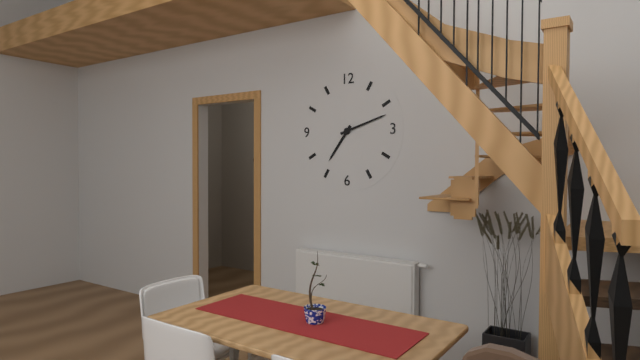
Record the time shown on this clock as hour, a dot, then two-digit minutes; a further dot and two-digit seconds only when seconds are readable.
7.12
